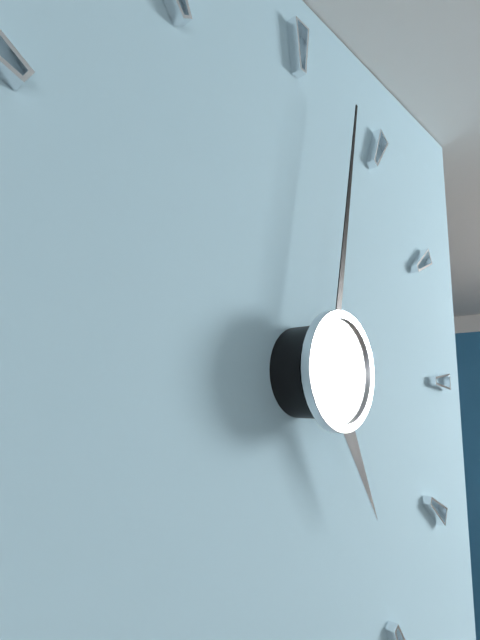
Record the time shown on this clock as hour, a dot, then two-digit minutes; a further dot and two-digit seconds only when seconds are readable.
5.02
